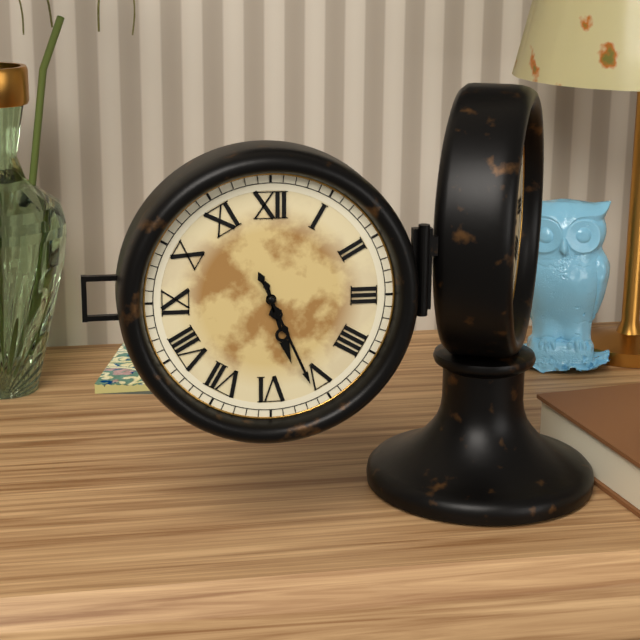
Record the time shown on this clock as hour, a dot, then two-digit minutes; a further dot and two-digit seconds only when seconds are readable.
5.26
